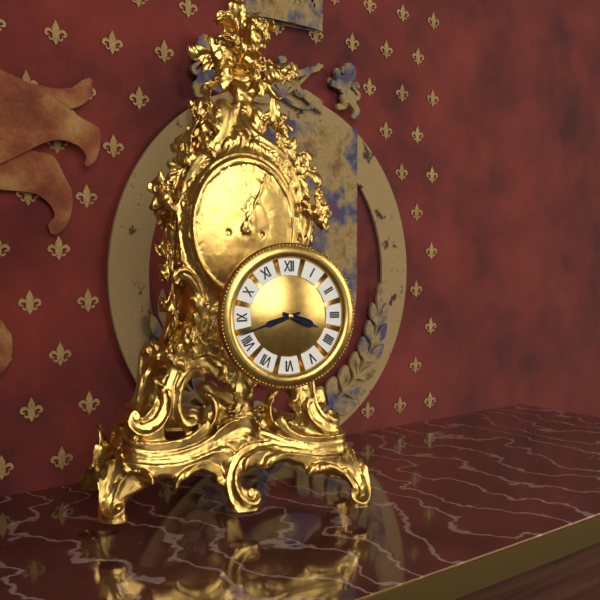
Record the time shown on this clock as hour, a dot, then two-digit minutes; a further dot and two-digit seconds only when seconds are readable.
3.42
